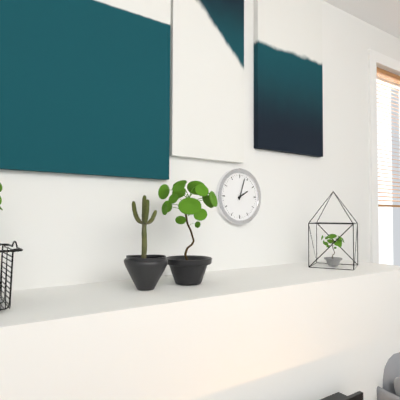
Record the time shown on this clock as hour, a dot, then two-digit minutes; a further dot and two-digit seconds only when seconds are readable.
2.03
